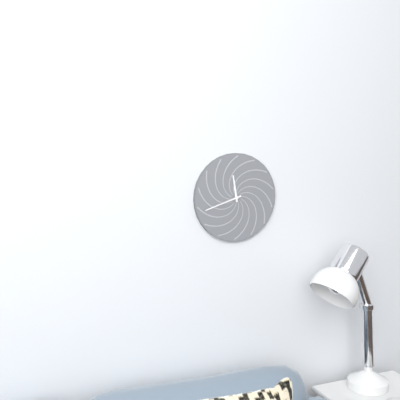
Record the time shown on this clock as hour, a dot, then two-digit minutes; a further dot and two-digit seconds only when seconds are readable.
11.42
